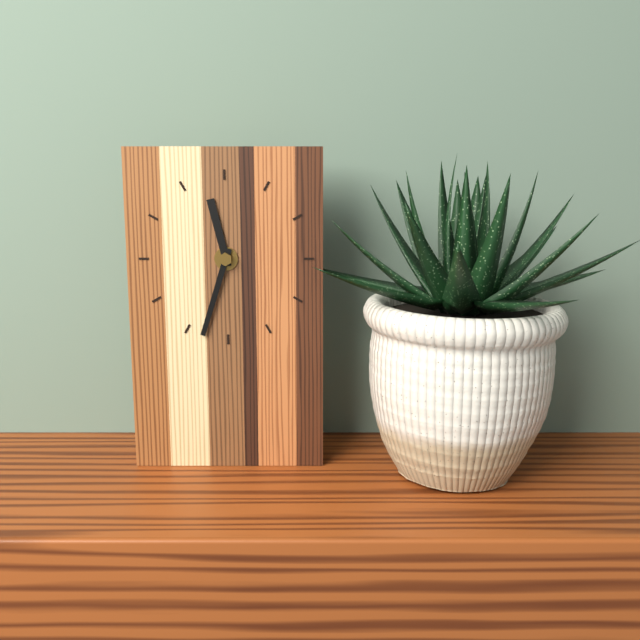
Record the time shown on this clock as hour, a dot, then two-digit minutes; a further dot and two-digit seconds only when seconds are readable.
11.33
